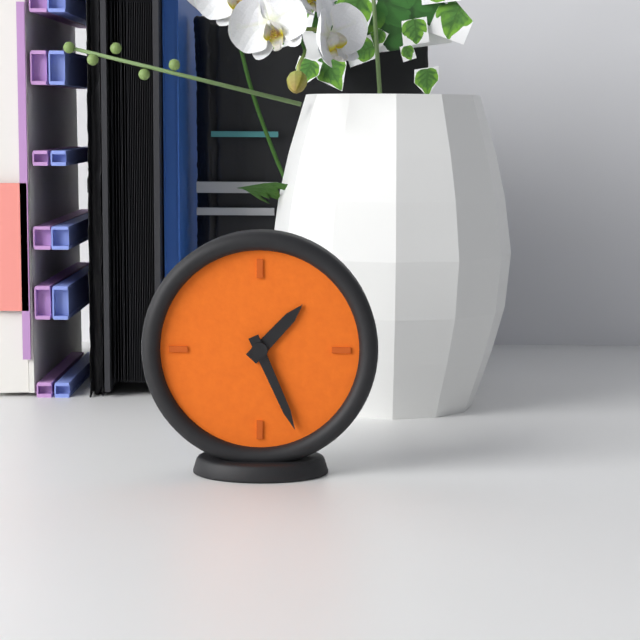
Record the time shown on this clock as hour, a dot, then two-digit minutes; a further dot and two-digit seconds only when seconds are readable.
1.26
